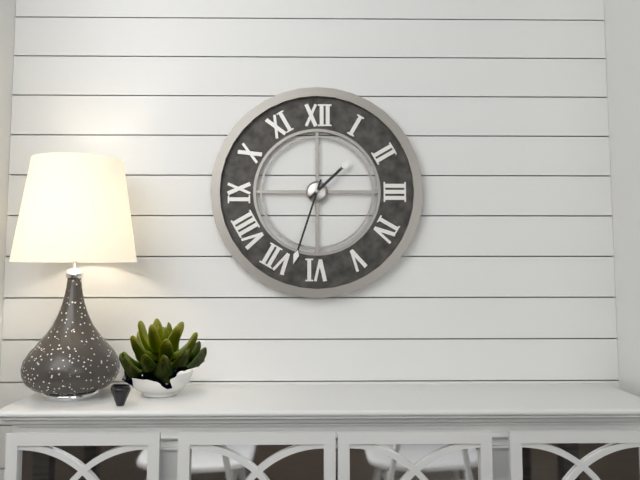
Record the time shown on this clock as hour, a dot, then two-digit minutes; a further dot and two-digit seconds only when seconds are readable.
1.33
